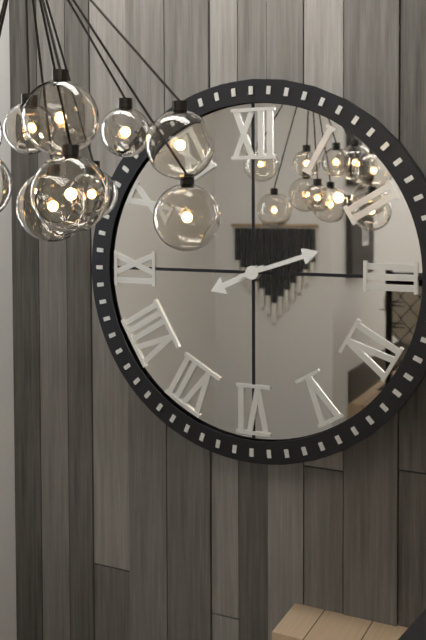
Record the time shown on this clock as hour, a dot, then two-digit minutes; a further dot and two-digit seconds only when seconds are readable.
8.12
